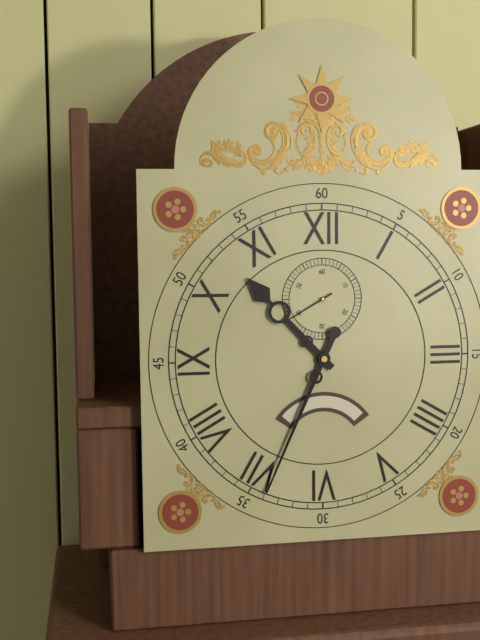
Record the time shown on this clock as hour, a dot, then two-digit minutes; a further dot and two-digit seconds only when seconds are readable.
10.34
